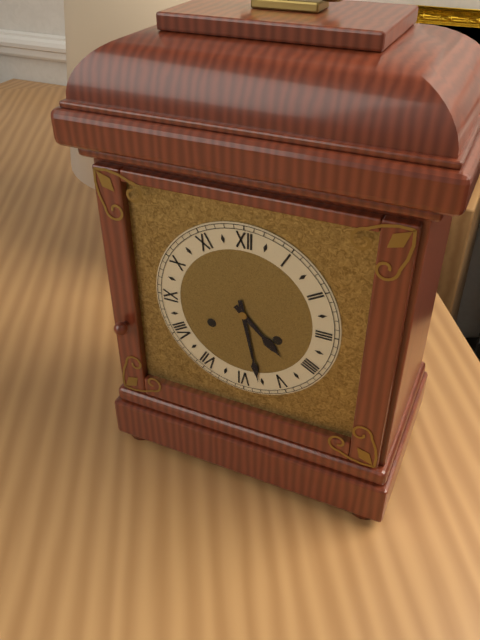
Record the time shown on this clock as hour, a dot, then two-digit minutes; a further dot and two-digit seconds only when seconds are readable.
4.28
